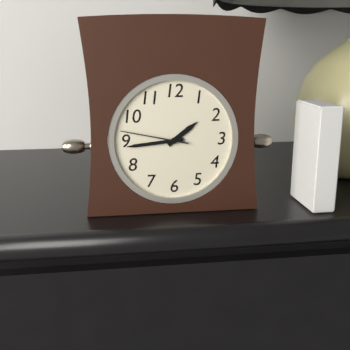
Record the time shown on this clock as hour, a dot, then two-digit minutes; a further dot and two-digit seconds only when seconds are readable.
1.44.47
